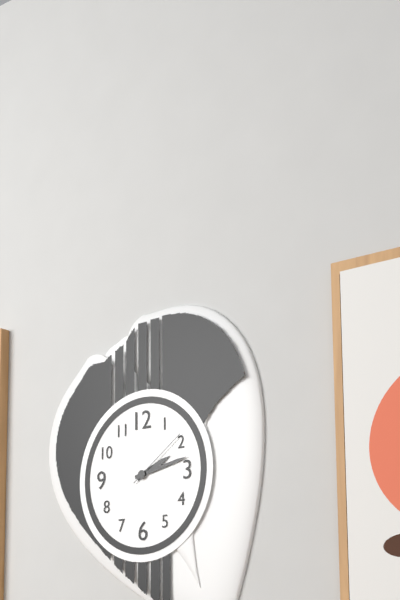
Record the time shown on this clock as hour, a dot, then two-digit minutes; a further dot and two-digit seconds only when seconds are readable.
2.13.09
